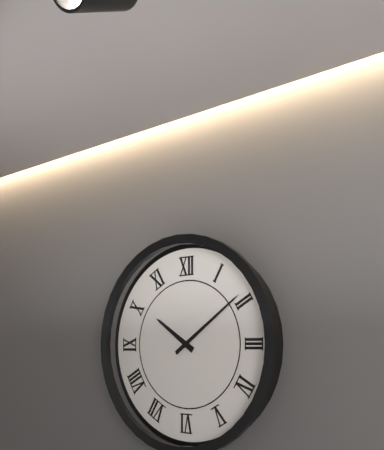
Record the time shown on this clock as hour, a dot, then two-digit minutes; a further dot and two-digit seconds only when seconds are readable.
10.09
